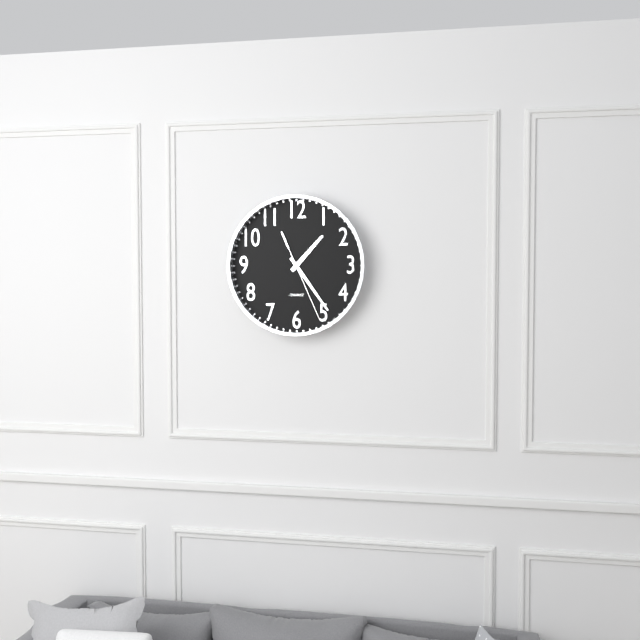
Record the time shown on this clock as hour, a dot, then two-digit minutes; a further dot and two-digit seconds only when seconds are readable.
1.24.26
